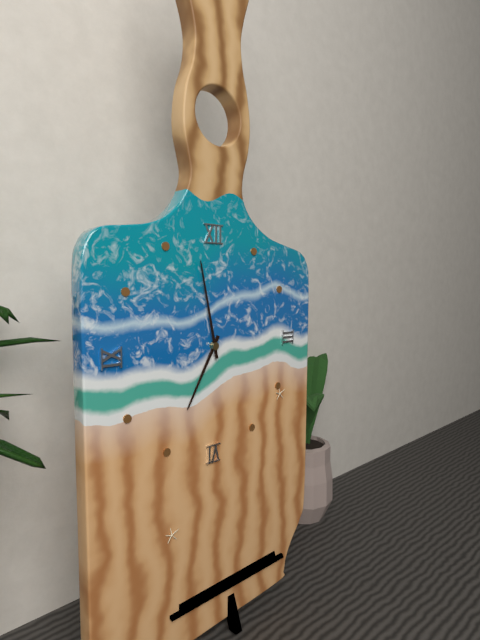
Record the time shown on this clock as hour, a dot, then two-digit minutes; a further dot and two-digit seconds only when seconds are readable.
6.58
